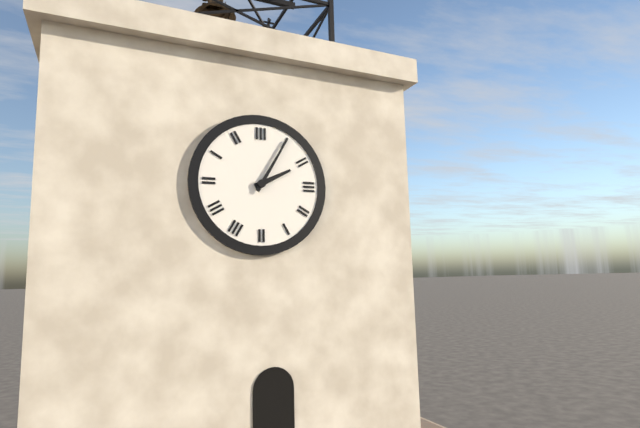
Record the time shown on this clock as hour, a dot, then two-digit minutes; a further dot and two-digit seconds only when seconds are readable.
2.05
